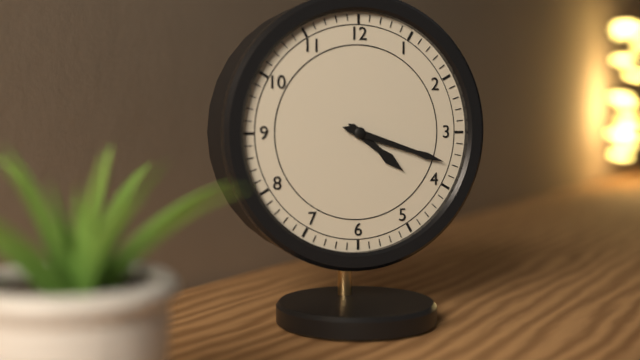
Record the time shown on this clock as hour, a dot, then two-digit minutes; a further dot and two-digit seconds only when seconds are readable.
4.18
